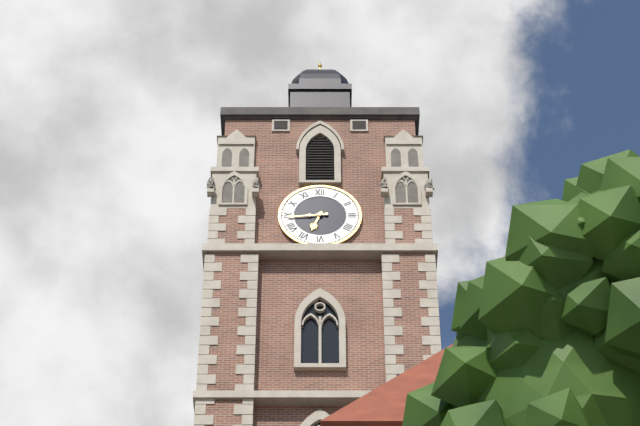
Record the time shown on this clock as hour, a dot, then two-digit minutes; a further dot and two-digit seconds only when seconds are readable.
6.44
